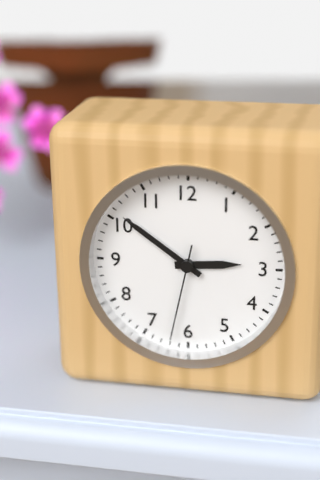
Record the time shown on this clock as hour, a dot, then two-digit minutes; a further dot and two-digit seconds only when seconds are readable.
2.51.32
